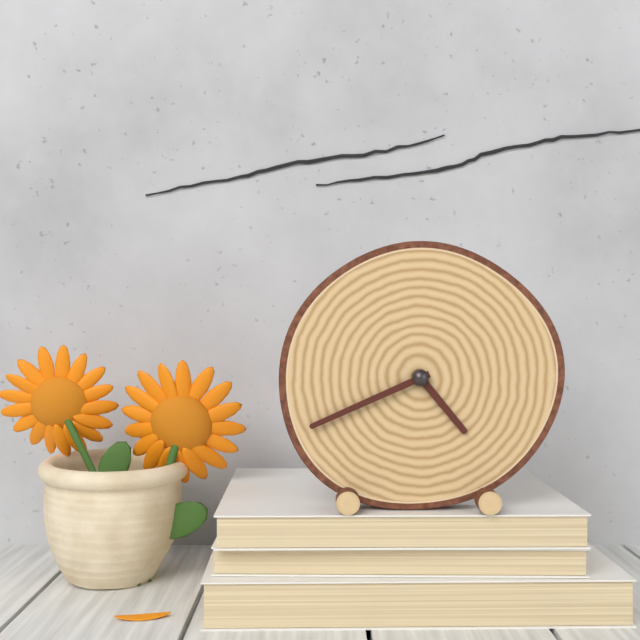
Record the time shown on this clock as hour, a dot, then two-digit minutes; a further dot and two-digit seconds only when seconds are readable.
4.41
